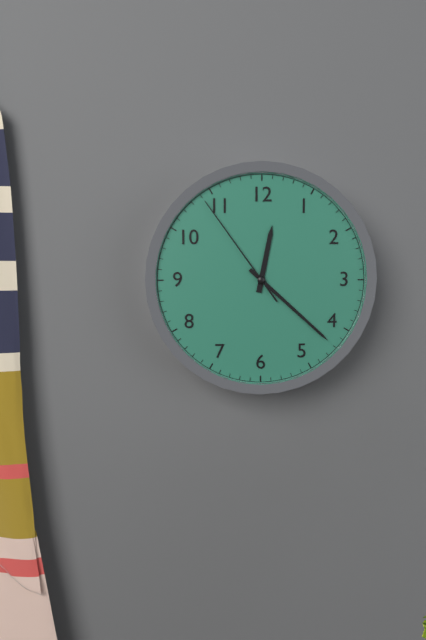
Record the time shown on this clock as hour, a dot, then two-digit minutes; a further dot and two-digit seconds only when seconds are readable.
12.22.54
